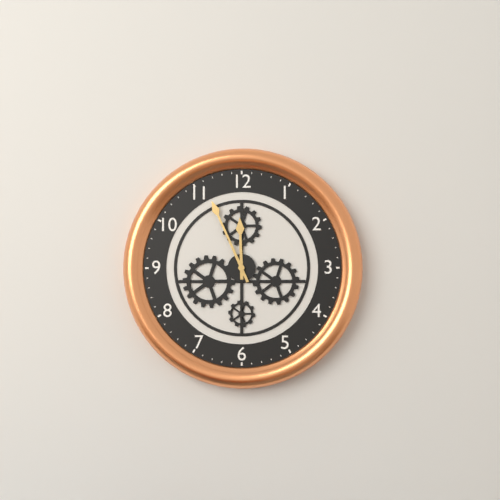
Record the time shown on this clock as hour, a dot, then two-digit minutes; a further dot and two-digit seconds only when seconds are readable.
11.56
